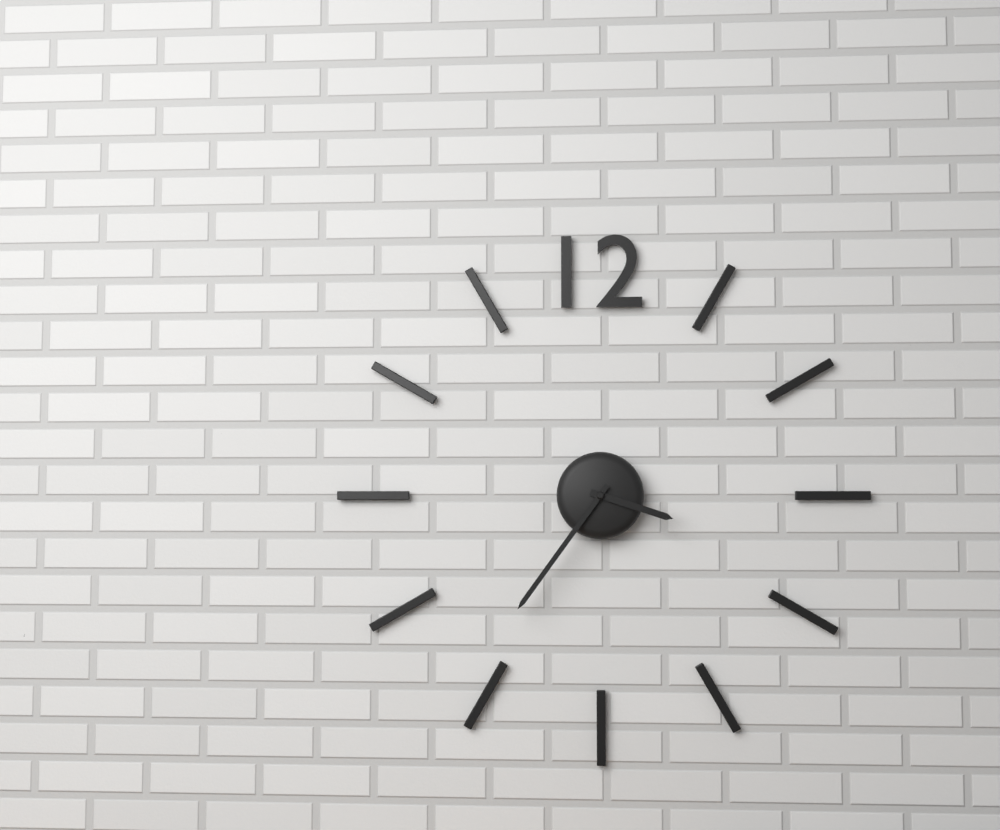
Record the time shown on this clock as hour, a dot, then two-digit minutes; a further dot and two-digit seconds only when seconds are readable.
3.36
